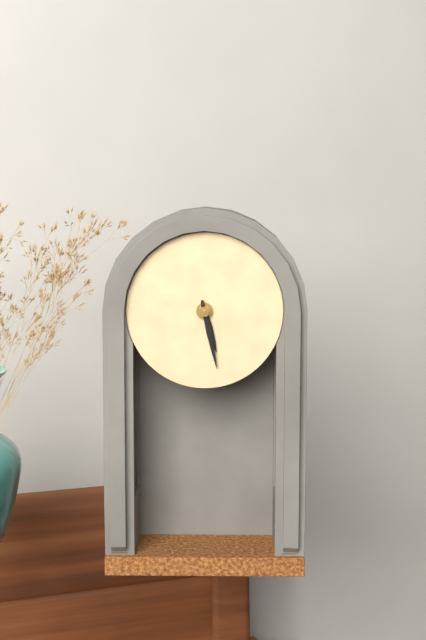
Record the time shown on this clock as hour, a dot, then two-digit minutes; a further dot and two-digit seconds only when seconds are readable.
5.28
